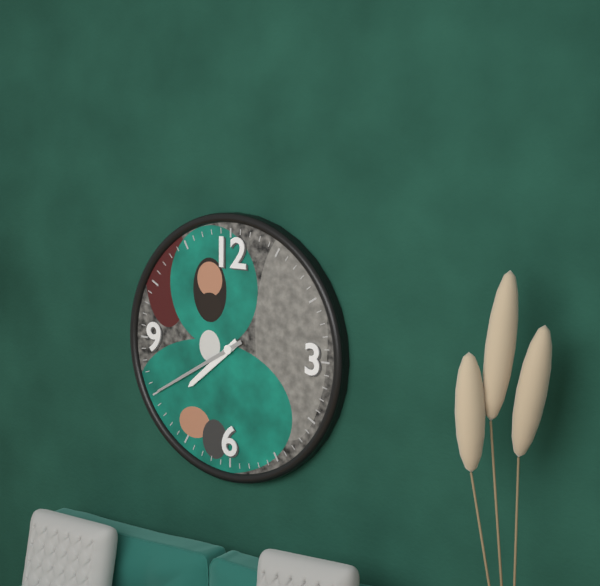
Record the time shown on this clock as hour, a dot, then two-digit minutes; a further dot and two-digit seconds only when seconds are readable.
7.40
